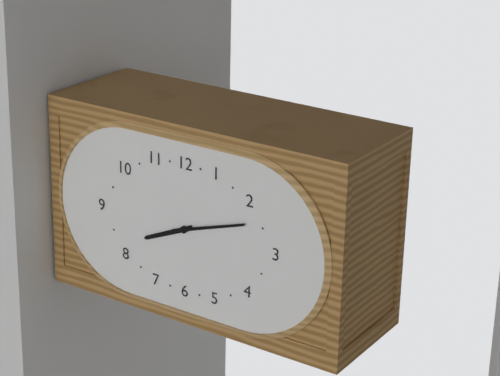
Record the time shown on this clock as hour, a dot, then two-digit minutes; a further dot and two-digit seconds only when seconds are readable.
8.12
